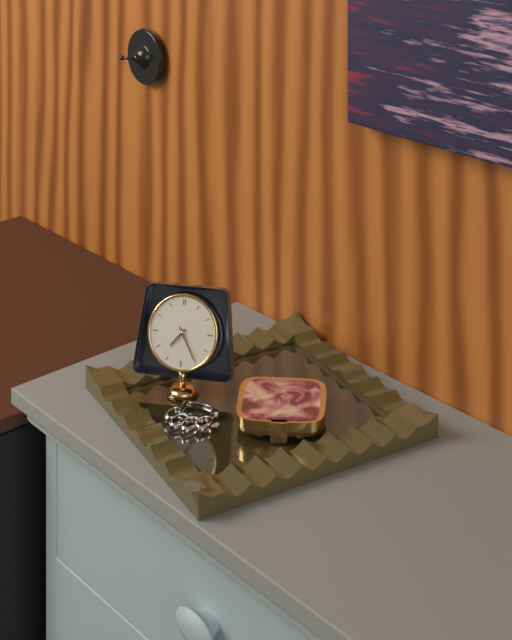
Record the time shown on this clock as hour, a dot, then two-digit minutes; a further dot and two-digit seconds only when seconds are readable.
7.25
